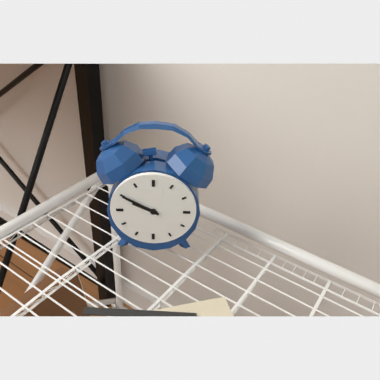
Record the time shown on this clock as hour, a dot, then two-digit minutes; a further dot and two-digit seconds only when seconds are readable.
9.50
